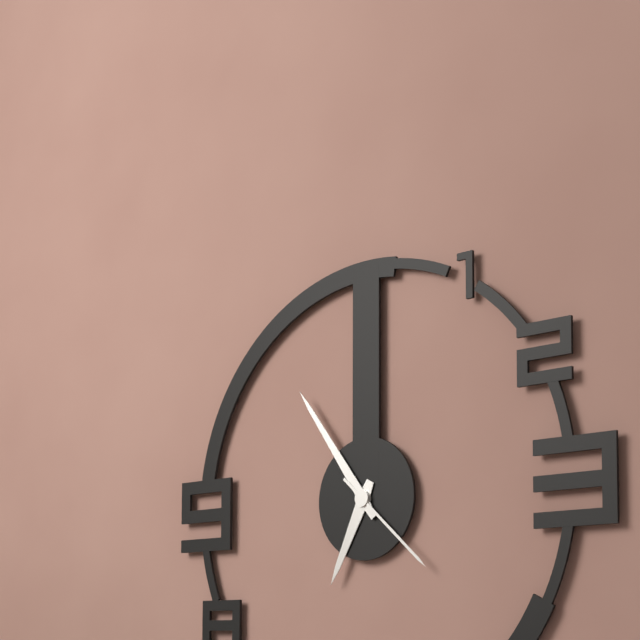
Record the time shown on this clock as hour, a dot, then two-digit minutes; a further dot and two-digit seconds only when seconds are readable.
6.54.22
